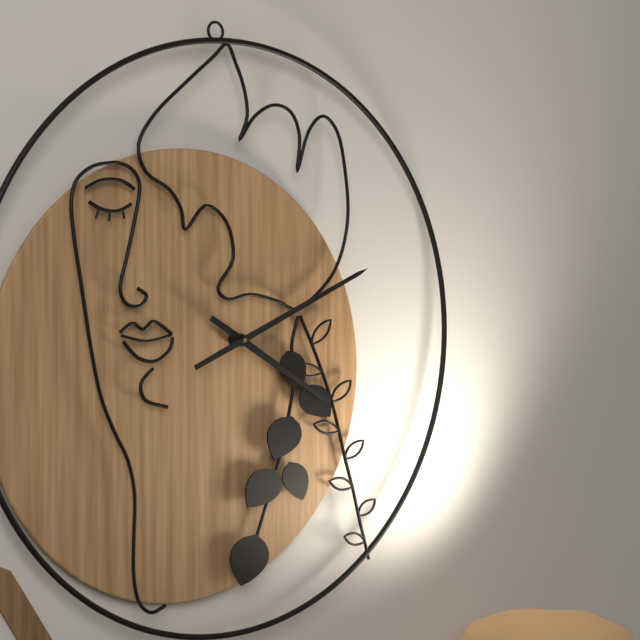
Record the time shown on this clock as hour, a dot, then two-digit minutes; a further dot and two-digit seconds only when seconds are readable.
4.12
